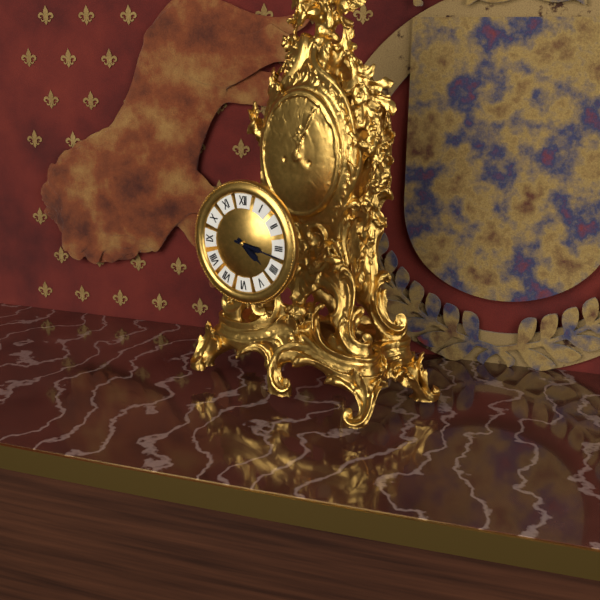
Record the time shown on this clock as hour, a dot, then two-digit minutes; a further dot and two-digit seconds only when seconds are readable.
4.17
